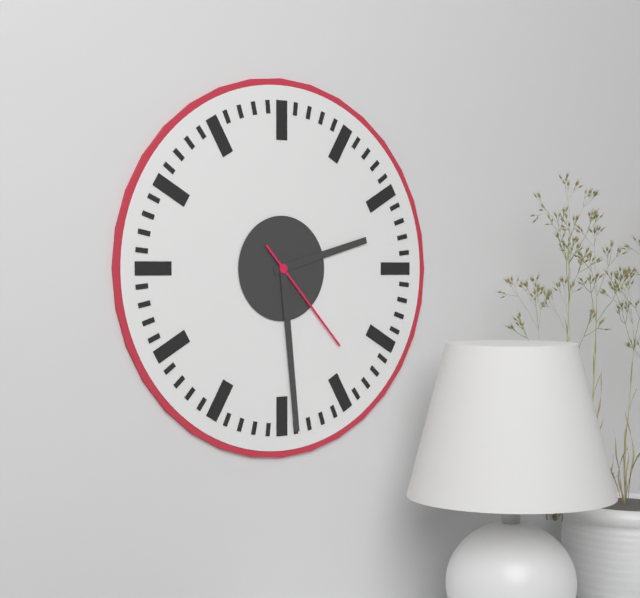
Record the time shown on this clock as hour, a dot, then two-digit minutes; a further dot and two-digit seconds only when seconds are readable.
2.29.23
